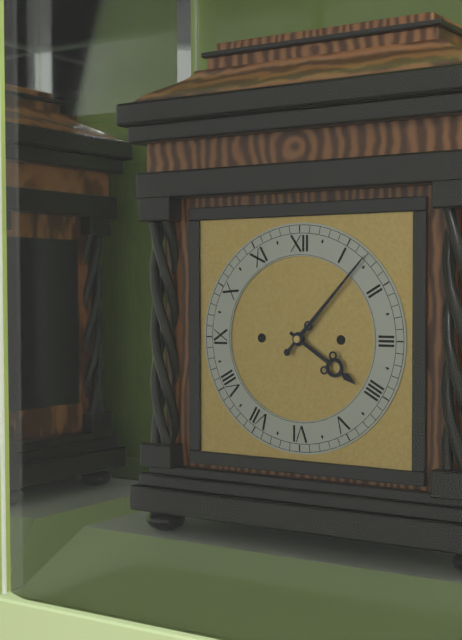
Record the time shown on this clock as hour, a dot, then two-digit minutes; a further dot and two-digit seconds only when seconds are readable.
4.07
